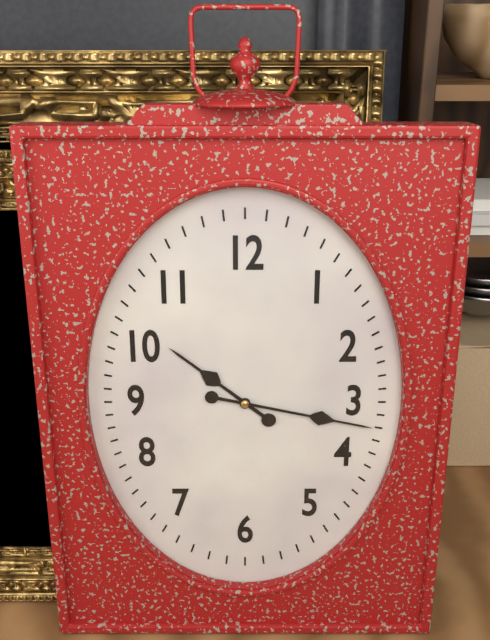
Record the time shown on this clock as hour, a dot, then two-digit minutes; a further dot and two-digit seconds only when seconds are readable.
10.17
